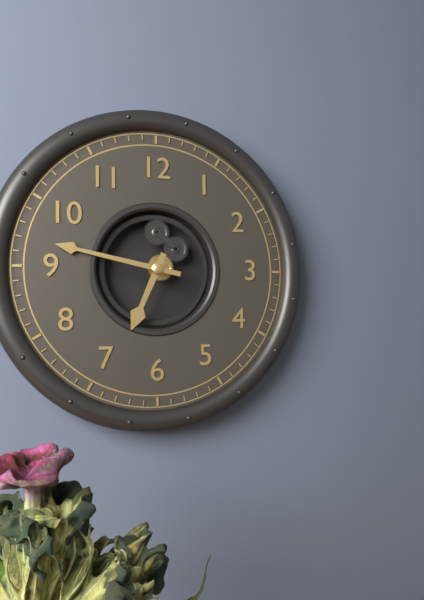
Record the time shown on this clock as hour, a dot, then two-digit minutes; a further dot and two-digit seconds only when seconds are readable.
6.47
